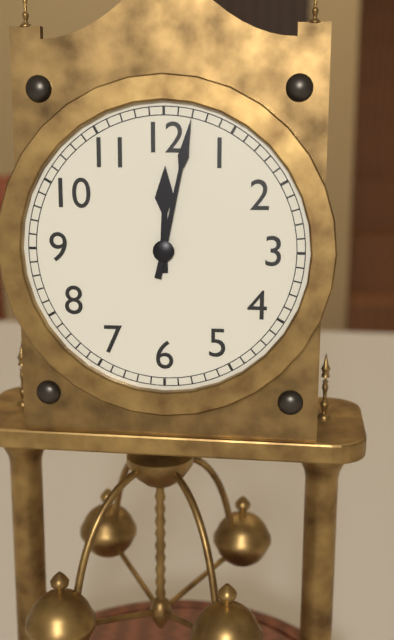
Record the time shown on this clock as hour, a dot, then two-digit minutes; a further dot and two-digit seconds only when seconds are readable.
12.02
